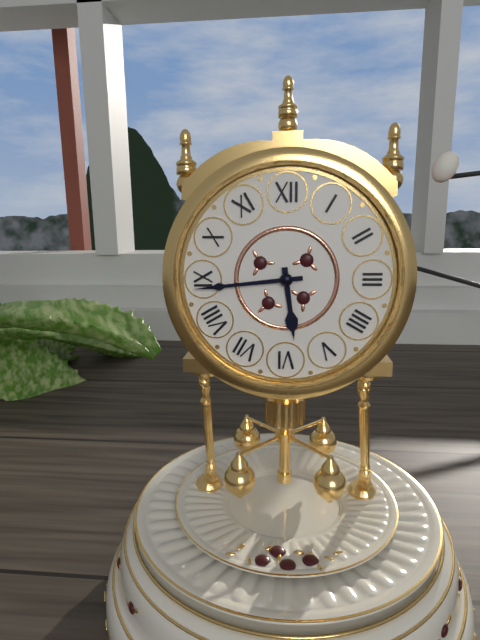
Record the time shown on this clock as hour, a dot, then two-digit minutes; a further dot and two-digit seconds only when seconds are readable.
5.44
